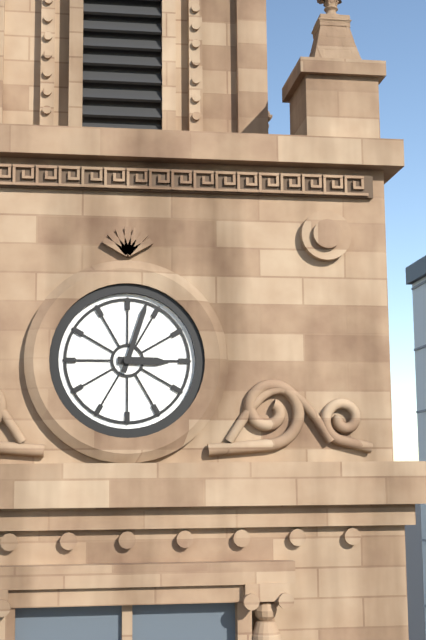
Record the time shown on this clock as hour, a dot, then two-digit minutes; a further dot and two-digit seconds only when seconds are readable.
3.03
